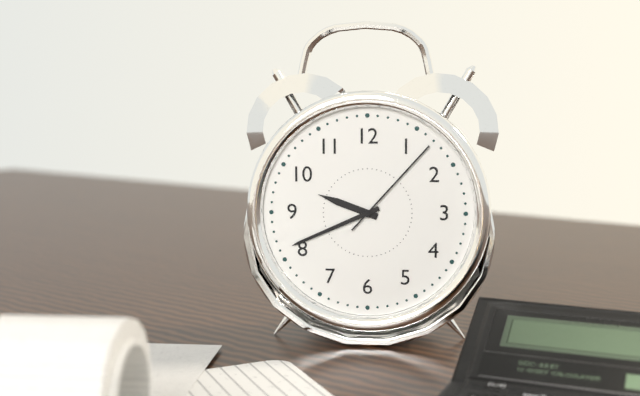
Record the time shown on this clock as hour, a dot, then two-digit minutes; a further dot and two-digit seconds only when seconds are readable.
9.41.07
